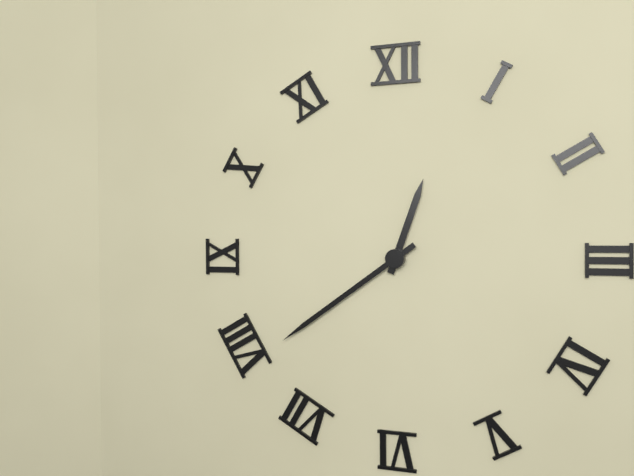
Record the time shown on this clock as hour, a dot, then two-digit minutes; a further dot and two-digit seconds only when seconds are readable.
12.39
